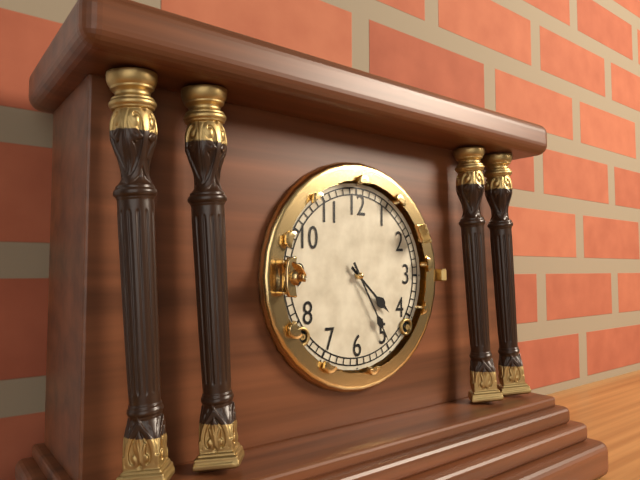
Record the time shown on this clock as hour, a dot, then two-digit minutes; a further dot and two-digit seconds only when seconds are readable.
4.25
